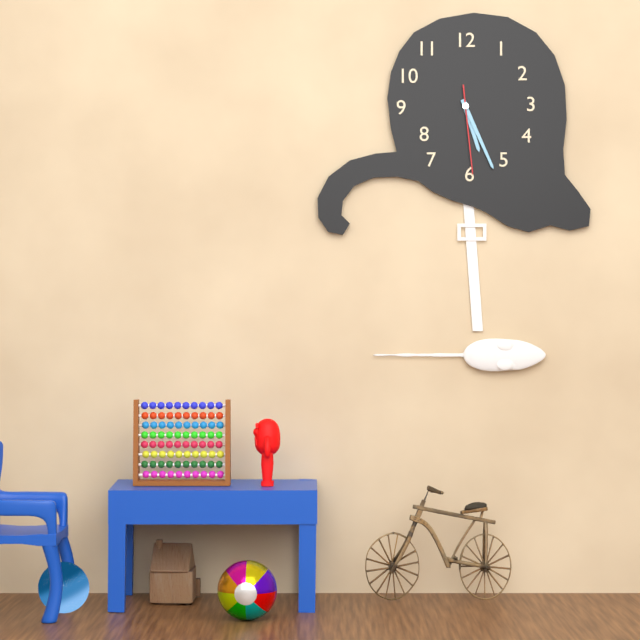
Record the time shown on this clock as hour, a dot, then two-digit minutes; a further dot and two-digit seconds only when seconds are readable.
5.26.29
